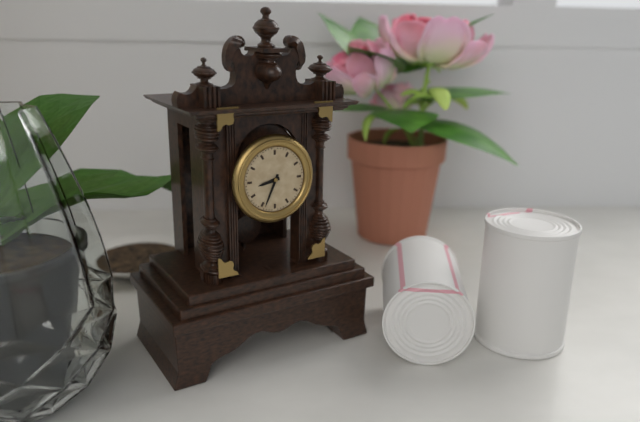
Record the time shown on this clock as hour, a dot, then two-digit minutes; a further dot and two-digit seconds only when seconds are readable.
8.34
